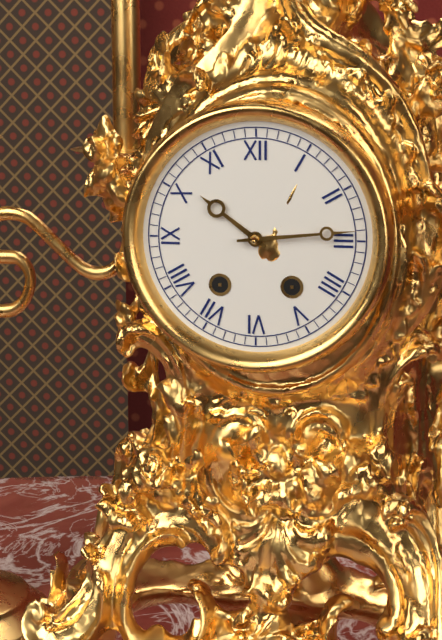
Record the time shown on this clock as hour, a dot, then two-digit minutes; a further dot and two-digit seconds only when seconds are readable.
10.14
